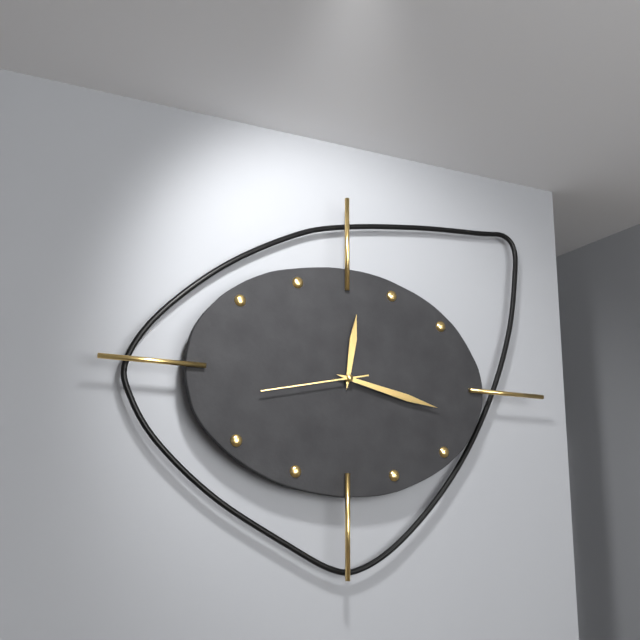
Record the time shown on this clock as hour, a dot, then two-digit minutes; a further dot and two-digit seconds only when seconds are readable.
12.17.43
